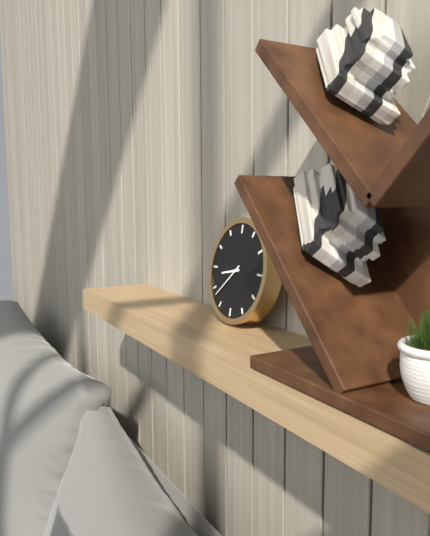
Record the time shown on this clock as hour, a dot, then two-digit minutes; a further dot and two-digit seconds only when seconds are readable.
8.38
